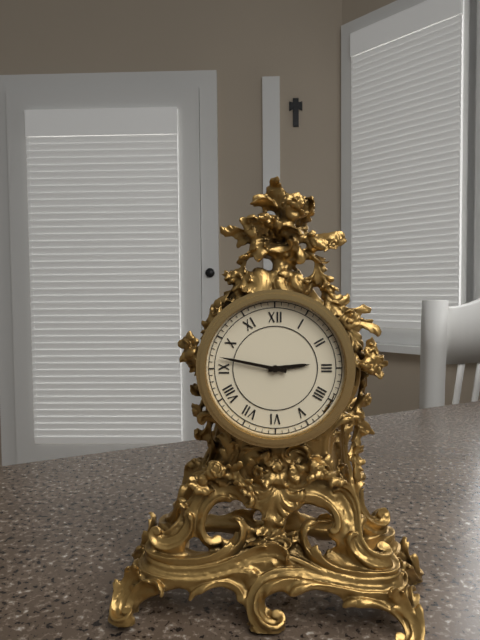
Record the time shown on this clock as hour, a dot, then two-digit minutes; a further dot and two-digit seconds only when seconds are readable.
2.47
